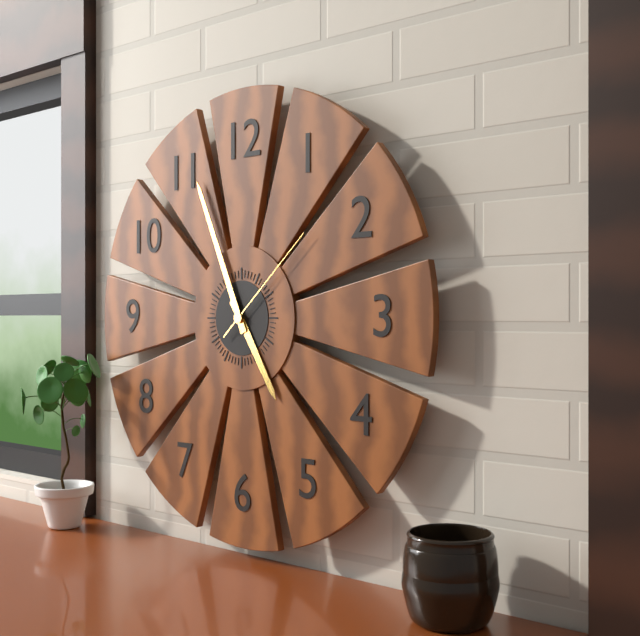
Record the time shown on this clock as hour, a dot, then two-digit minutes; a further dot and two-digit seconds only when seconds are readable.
4.56.08
